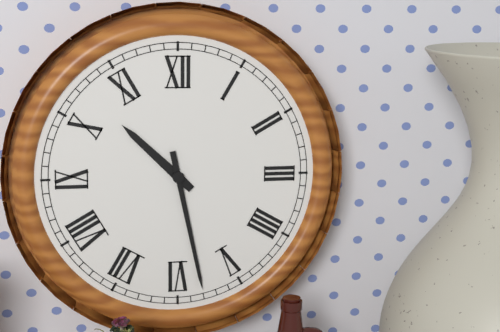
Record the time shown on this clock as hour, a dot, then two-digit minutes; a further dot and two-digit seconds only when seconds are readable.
10.28
